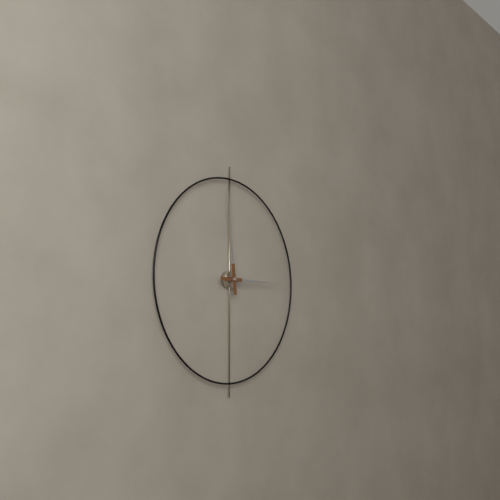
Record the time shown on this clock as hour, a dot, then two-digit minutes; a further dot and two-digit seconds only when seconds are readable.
2.59
